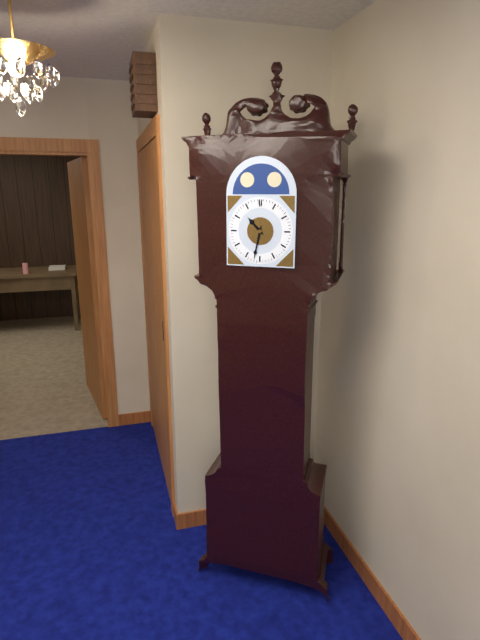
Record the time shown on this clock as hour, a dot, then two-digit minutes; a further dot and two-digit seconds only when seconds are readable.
10.32
